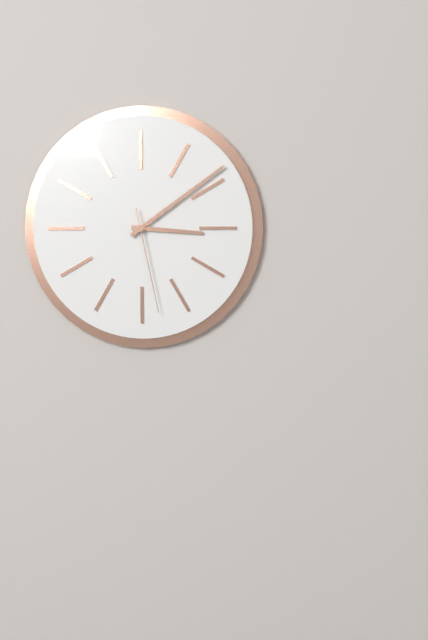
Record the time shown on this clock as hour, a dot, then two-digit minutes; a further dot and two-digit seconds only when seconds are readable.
3.09.28
